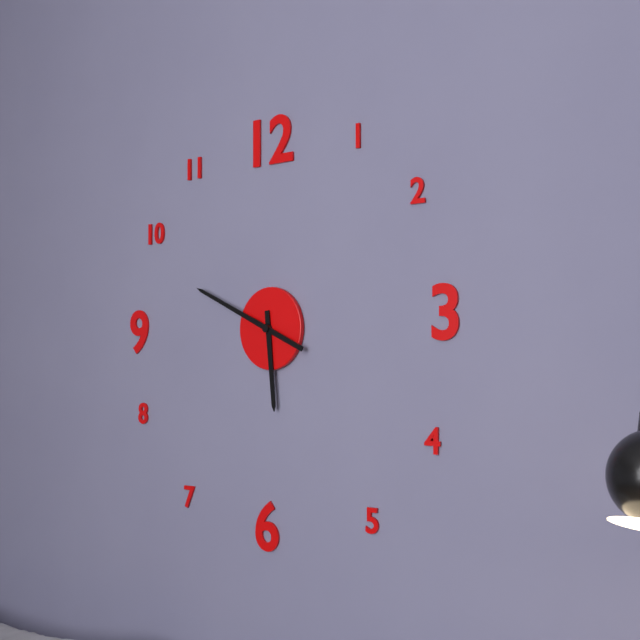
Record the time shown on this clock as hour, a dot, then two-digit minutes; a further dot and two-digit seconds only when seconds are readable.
5.49
